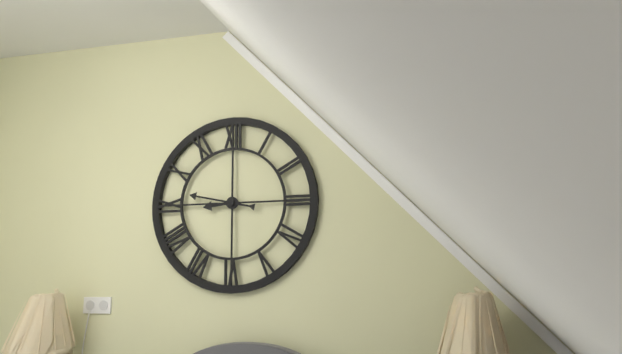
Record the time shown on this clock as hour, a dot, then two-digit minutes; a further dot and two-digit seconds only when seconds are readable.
8.47
